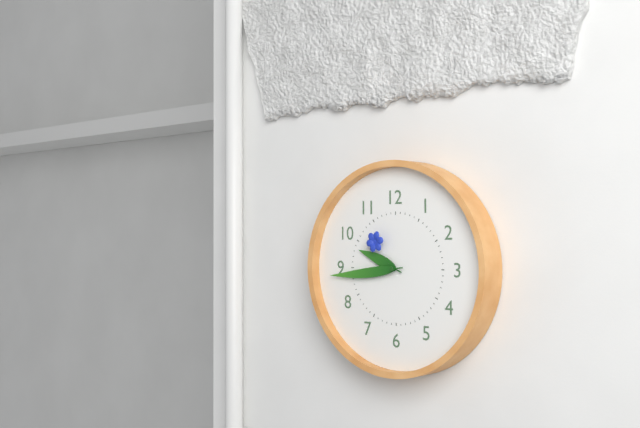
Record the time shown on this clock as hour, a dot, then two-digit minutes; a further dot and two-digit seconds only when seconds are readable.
9.44.54
